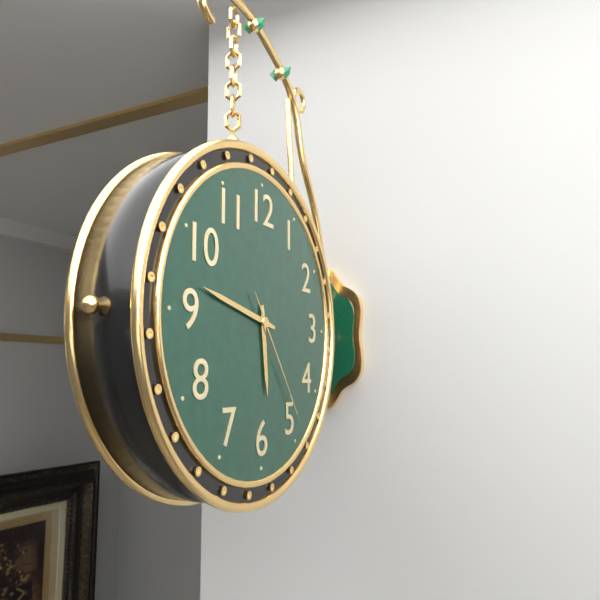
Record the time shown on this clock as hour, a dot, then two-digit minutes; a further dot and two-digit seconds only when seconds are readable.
5.47.24
